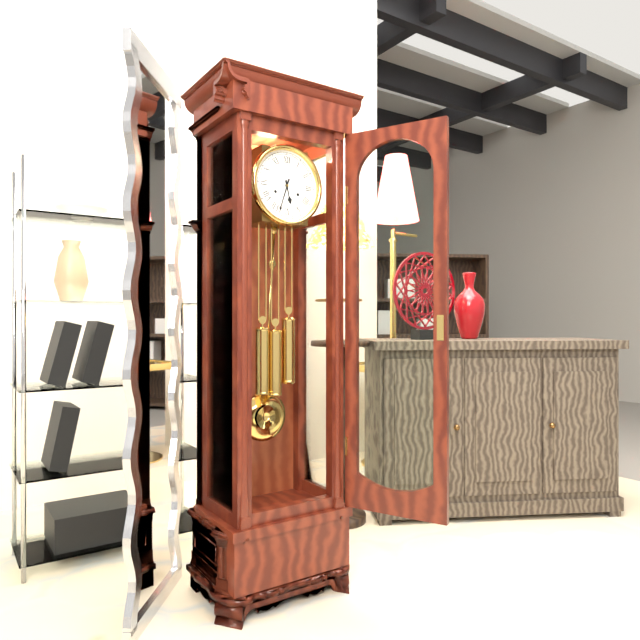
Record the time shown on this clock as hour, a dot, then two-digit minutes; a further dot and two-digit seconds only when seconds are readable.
5.33
